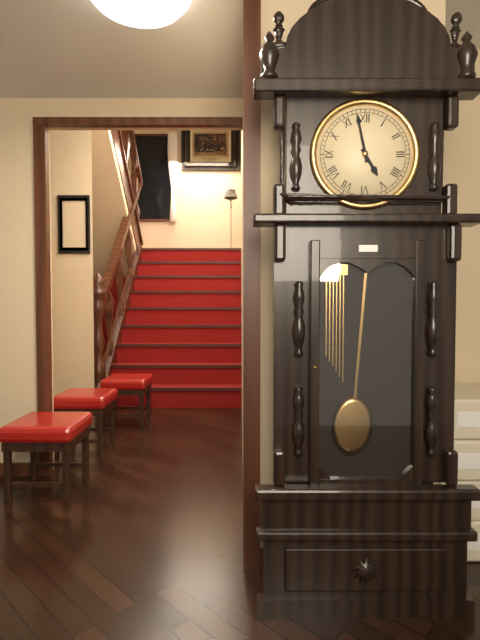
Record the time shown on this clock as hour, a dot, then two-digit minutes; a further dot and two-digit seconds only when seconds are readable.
4.58
